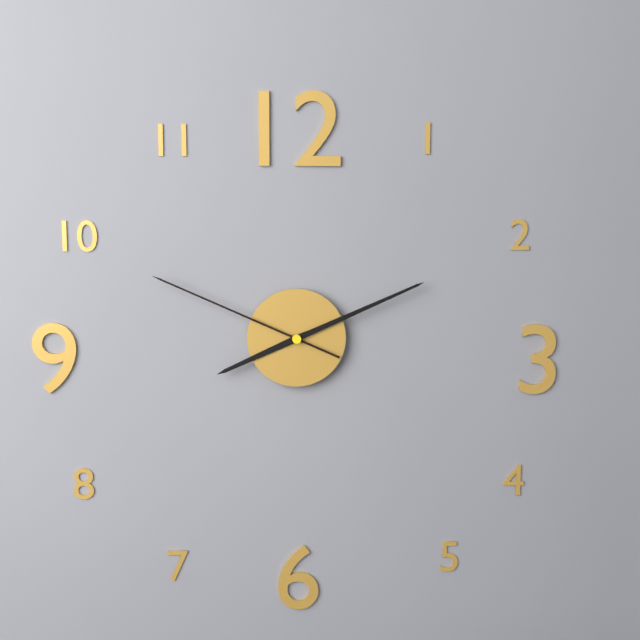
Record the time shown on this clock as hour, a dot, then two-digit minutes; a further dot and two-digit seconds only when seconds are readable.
8.11.49
